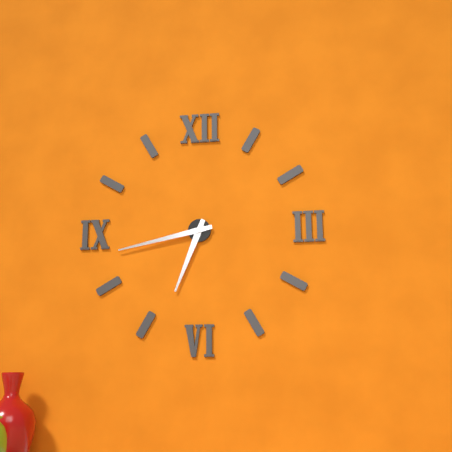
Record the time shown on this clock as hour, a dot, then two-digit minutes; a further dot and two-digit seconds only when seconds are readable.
6.43
